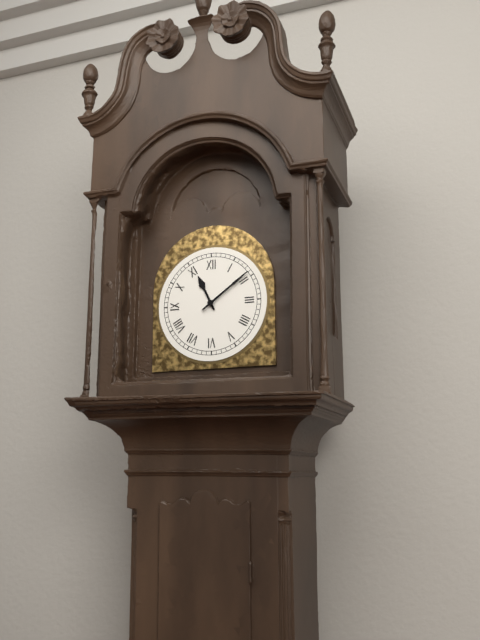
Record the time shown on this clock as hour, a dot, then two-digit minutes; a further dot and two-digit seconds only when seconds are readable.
11.09
